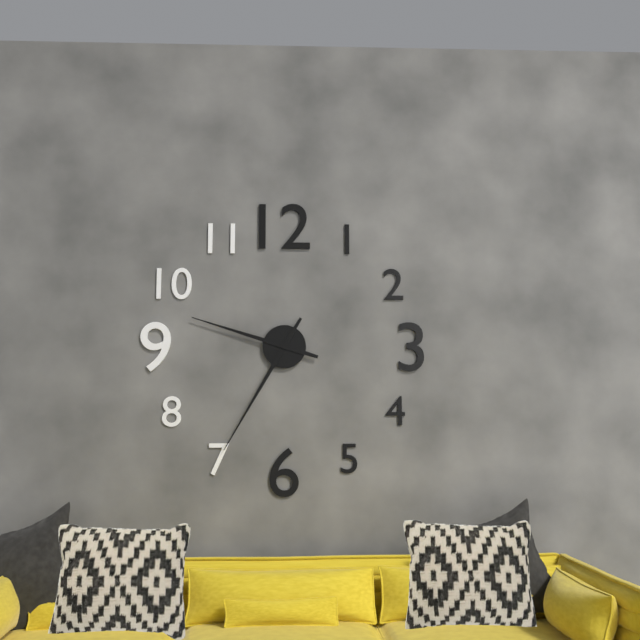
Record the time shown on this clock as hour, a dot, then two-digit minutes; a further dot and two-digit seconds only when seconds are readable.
9.35
